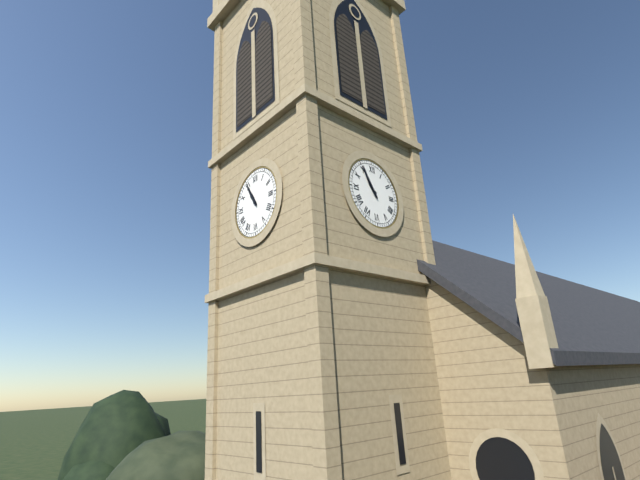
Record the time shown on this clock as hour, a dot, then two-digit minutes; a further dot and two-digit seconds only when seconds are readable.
10.55
